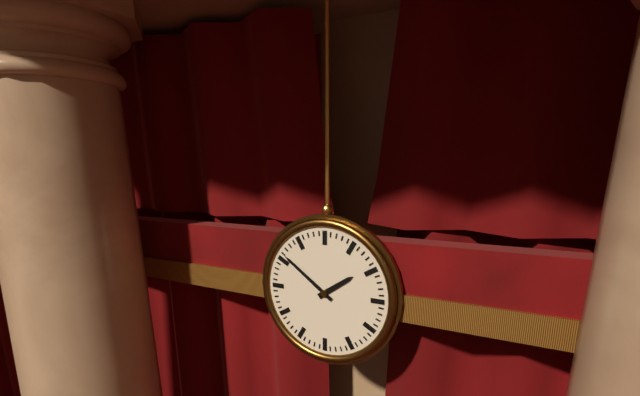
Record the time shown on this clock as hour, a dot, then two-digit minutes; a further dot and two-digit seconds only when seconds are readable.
1.51
